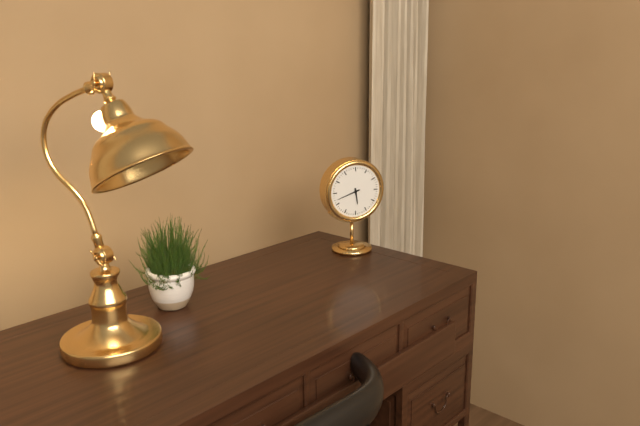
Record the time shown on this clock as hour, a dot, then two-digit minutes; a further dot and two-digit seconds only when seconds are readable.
5.42
